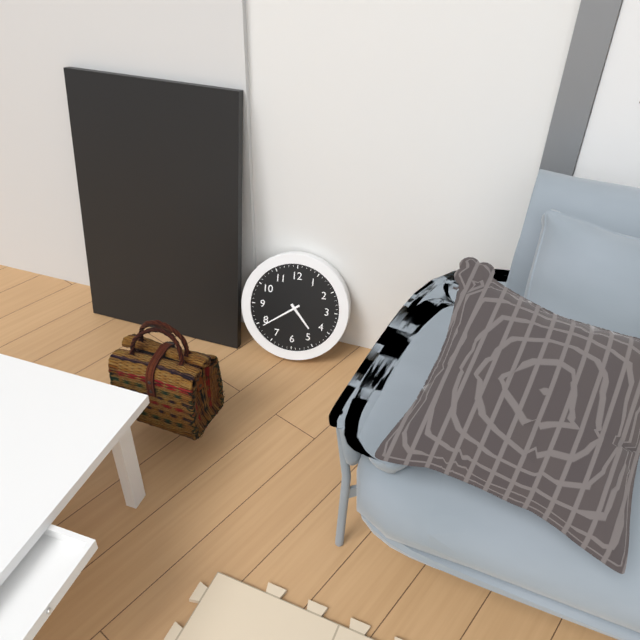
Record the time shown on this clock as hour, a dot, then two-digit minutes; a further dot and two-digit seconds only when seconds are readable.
4.39
